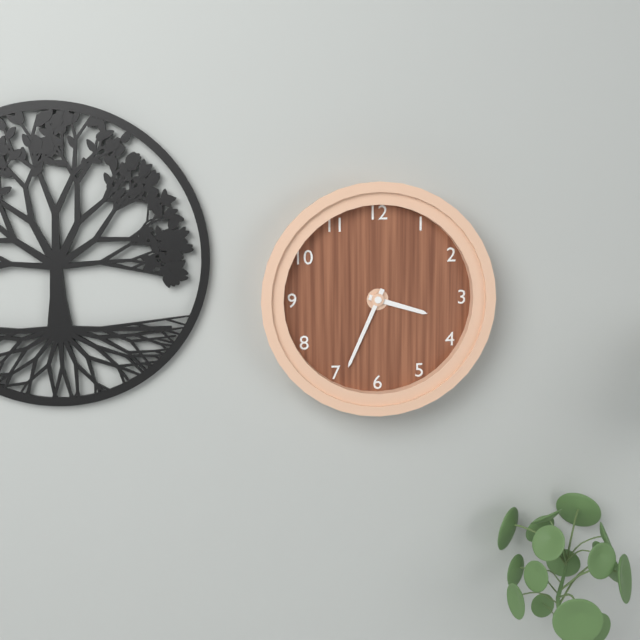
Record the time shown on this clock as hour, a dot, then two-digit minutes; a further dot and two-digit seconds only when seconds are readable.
3.34
